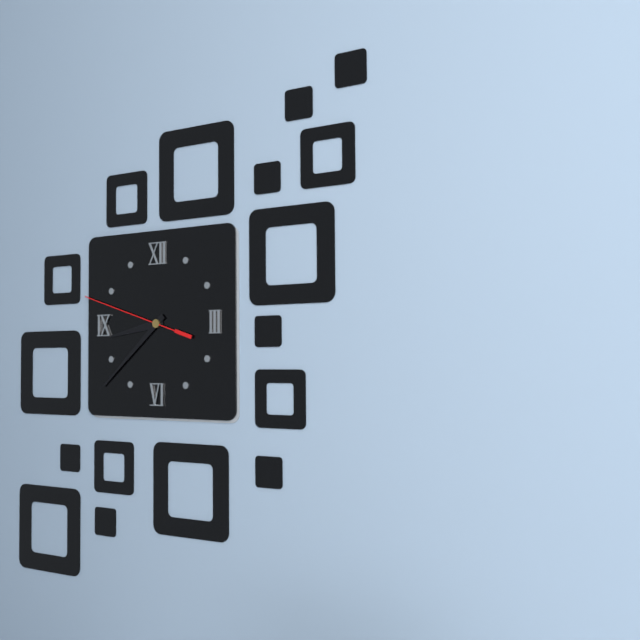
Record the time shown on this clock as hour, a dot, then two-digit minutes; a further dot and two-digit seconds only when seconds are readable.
8.38.48
